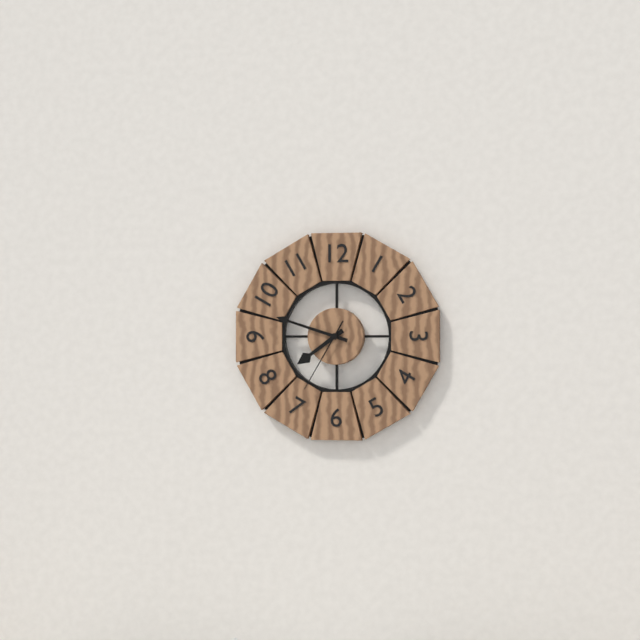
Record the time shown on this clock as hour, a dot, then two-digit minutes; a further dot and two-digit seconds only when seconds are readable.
7.48.35
